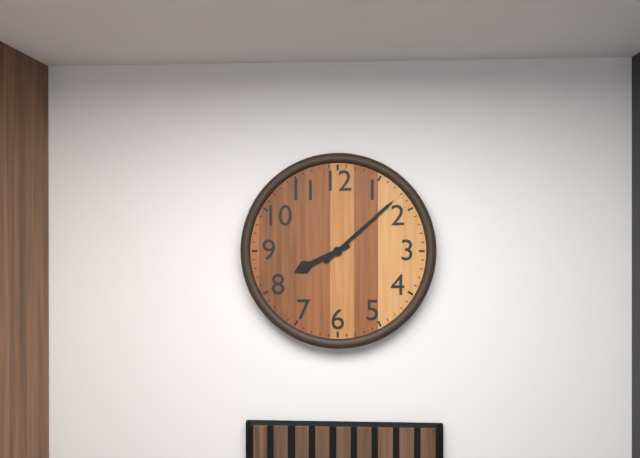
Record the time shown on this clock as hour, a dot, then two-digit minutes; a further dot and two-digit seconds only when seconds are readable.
8.08
